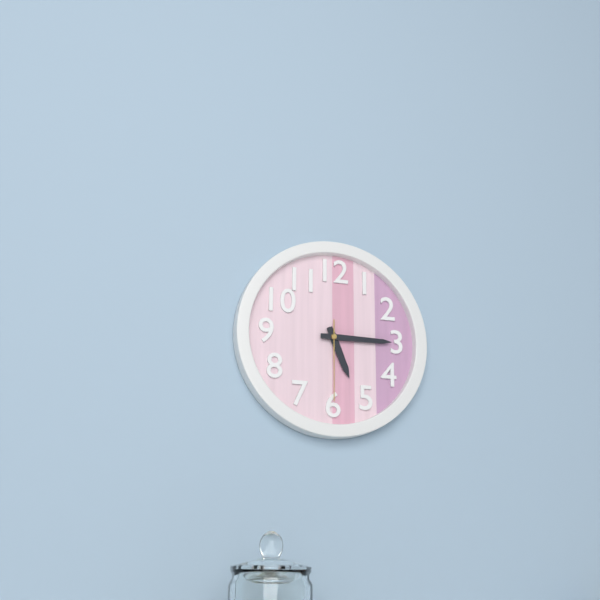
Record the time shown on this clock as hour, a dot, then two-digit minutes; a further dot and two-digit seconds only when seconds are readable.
5.15.30
